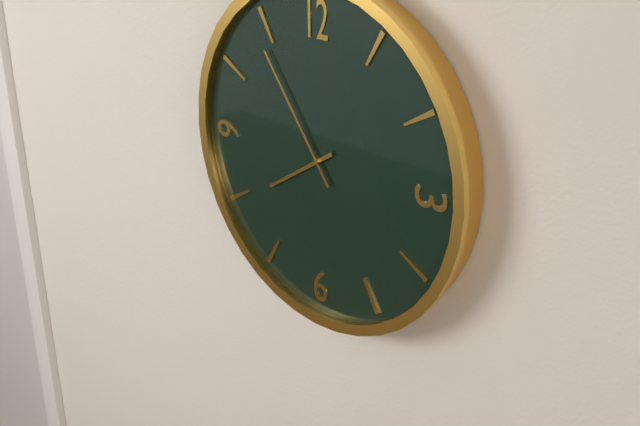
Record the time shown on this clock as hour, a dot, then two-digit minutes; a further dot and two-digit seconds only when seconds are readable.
7.54
